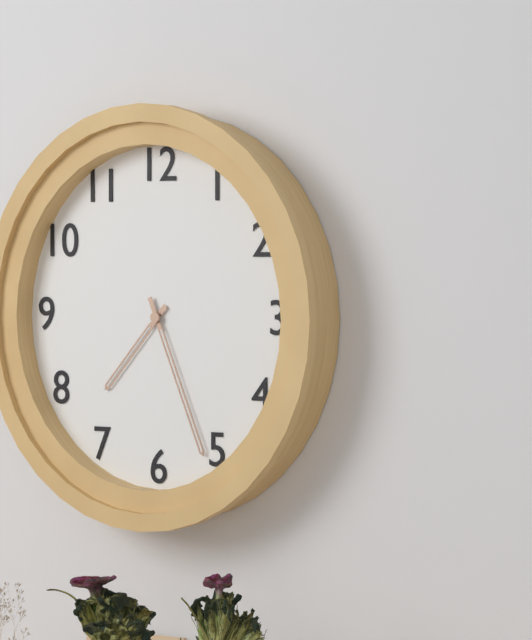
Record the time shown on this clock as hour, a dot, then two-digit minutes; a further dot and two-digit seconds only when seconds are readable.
7.26
